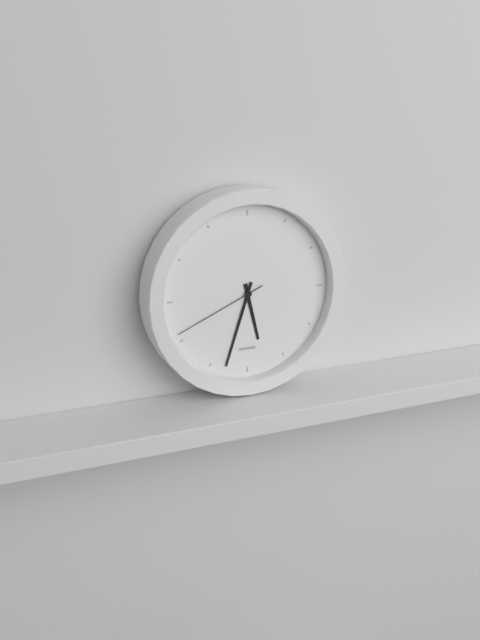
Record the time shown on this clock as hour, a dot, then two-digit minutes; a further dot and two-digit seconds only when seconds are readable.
5.33.41
